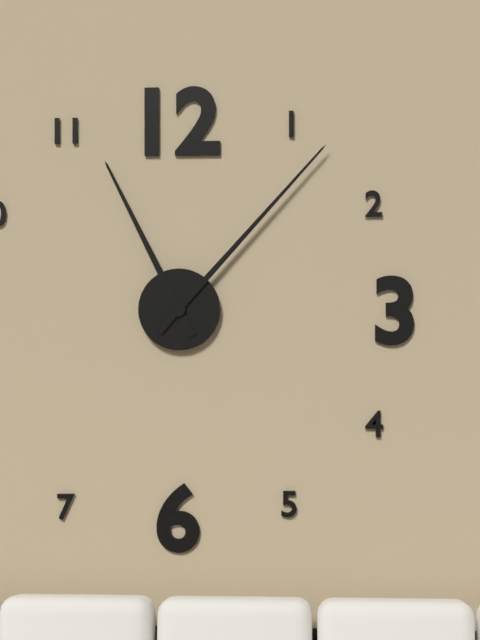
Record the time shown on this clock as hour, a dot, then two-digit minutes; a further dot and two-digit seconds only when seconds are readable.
11.07
